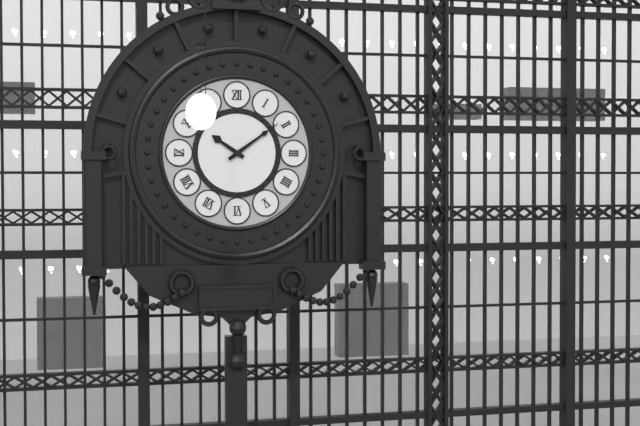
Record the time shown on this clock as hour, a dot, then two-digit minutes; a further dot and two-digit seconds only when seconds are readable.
10.09
